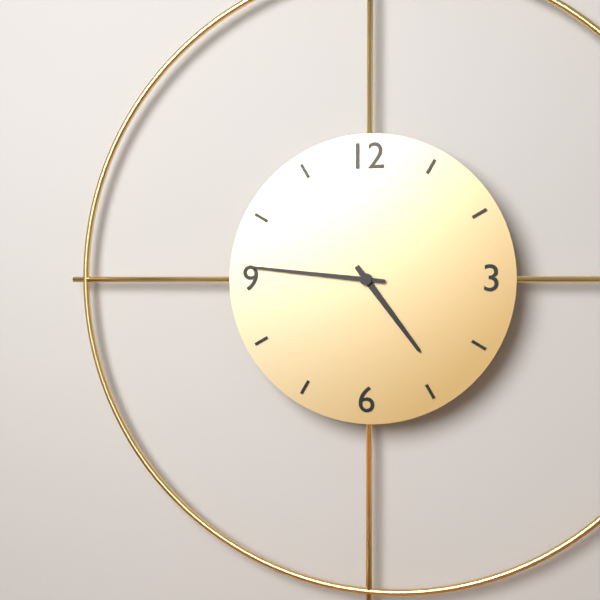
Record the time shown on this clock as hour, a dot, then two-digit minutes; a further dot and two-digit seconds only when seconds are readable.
4.46
